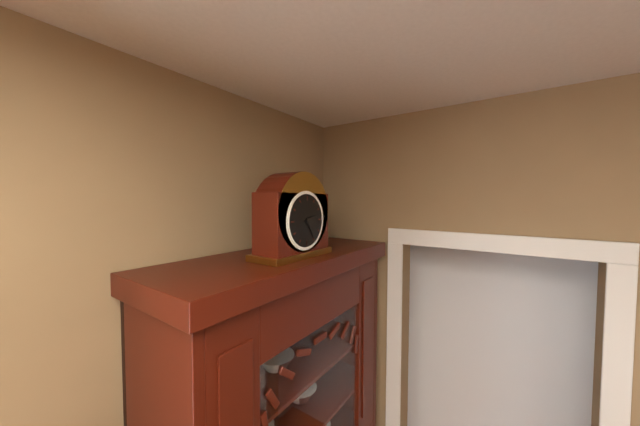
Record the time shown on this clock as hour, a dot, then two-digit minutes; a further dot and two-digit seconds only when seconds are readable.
2.25
